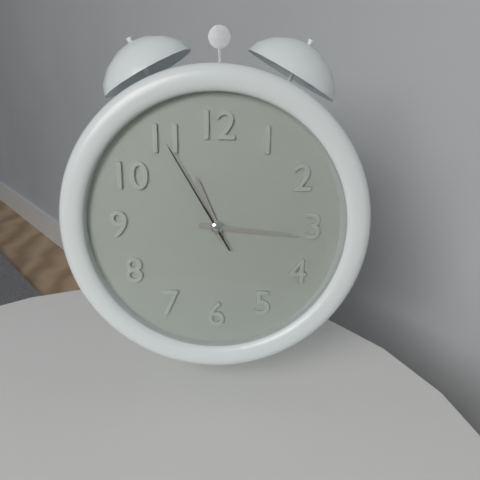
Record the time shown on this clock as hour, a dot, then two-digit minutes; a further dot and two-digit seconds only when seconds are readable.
11.16.55
